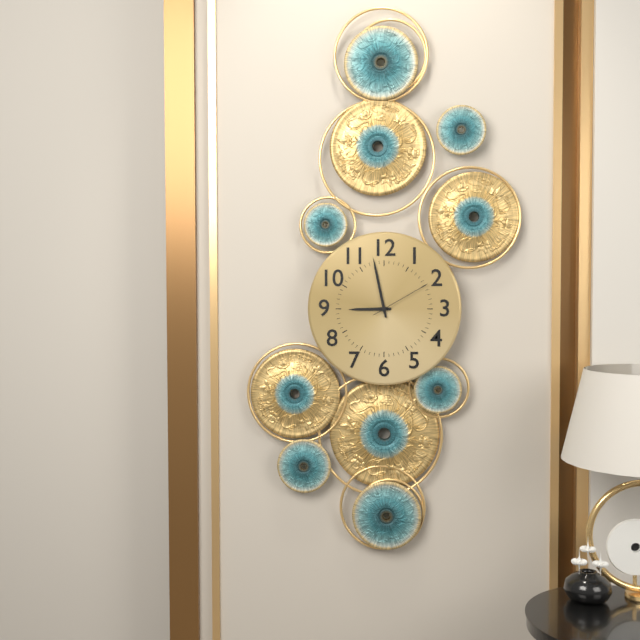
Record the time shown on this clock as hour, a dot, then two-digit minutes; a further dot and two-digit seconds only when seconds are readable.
8.58.10
